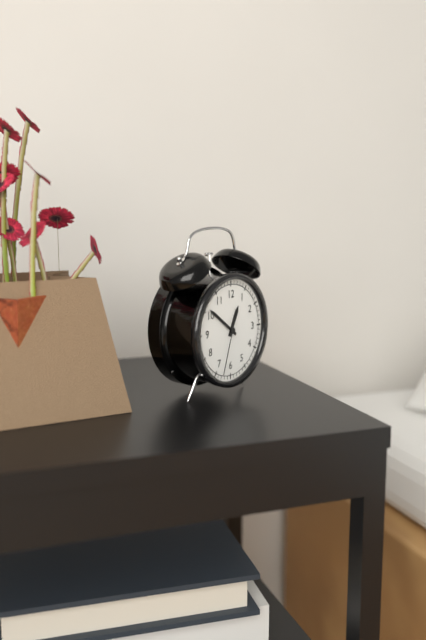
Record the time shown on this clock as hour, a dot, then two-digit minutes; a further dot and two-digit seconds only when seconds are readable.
12.51.33
